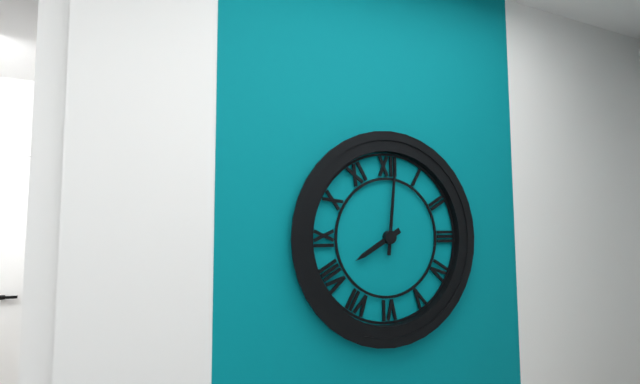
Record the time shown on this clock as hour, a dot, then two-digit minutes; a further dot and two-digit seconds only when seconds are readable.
8.01
